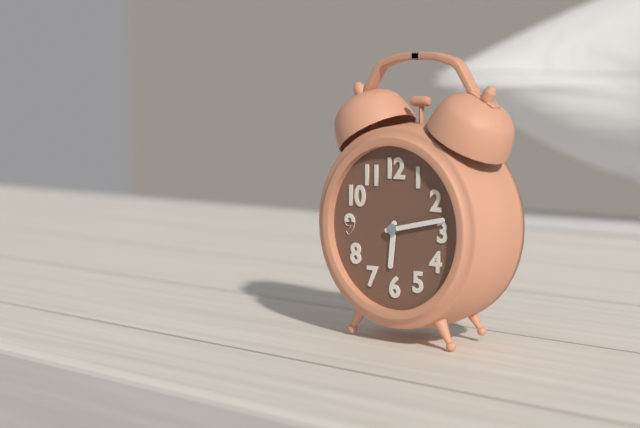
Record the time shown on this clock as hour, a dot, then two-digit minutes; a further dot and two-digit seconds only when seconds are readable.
6.13
